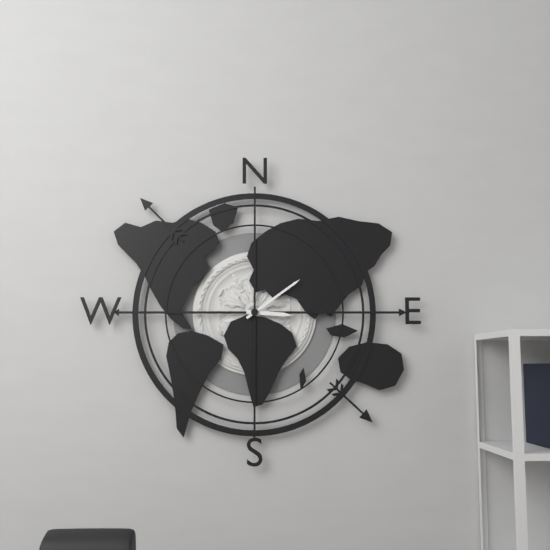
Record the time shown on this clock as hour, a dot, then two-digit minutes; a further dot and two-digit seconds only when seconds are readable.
3.09
